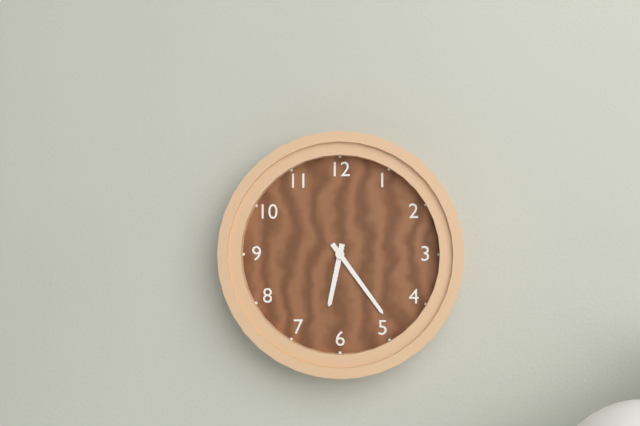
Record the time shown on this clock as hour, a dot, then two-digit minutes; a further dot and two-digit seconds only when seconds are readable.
6.24
